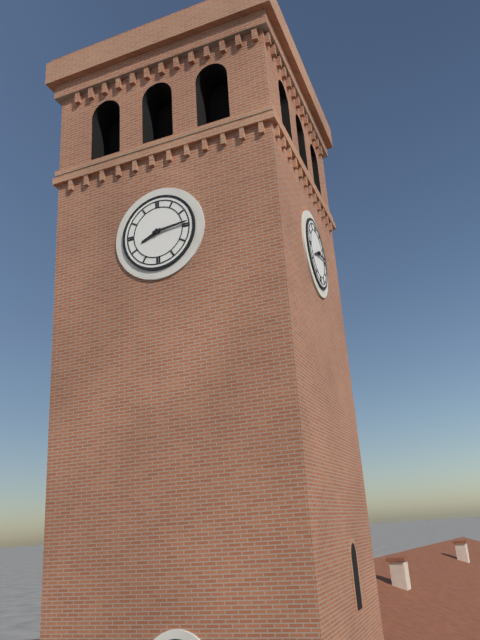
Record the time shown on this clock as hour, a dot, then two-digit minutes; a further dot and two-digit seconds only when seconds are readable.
8.14
